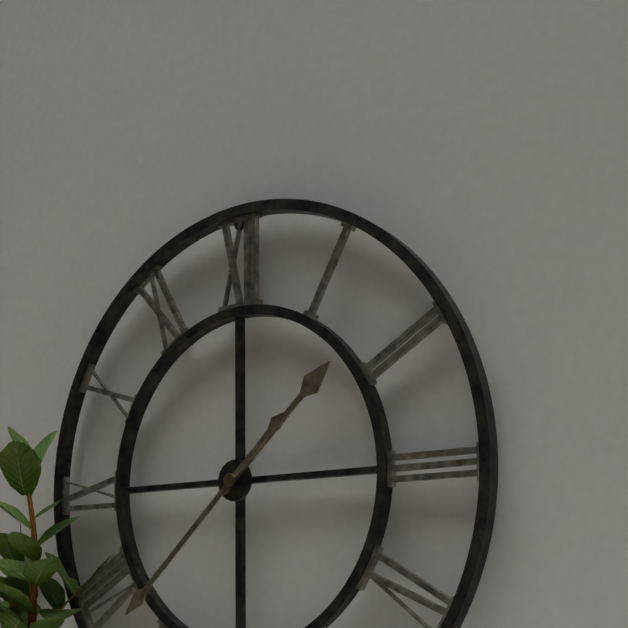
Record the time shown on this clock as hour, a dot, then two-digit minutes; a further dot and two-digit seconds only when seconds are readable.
1.38
